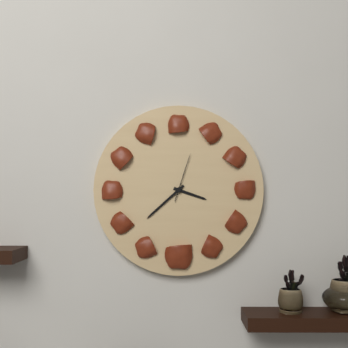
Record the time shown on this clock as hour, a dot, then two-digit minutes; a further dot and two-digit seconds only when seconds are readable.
3.38
